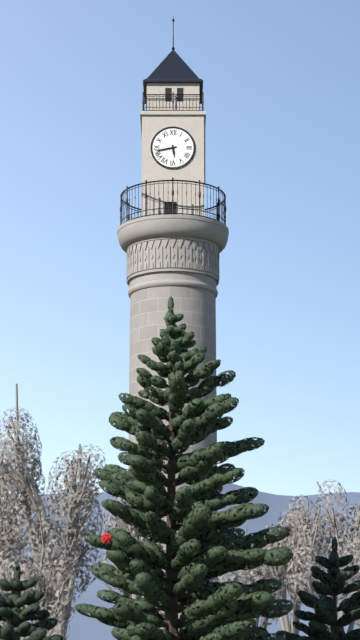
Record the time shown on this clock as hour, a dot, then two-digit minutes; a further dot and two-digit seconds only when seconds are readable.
5.43
